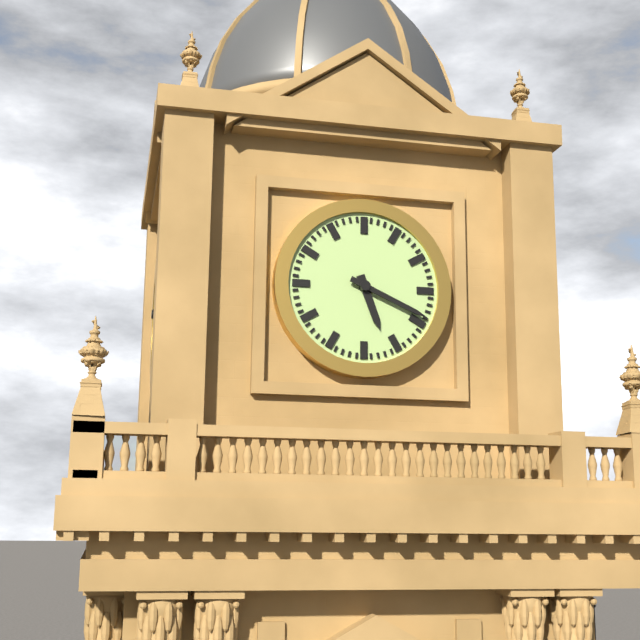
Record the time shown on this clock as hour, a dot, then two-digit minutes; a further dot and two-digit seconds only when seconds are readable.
5.19
